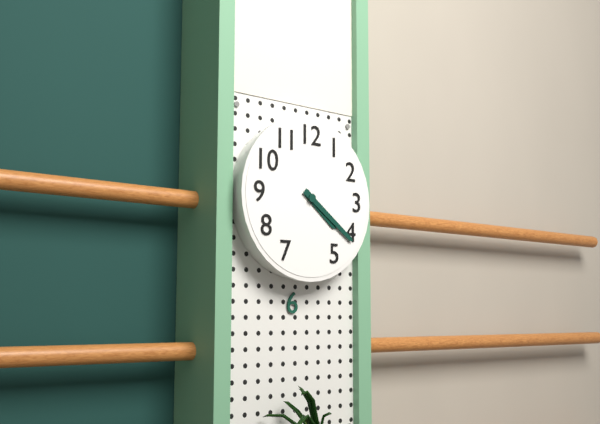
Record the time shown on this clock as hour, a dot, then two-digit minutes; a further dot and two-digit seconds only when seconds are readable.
4.21
